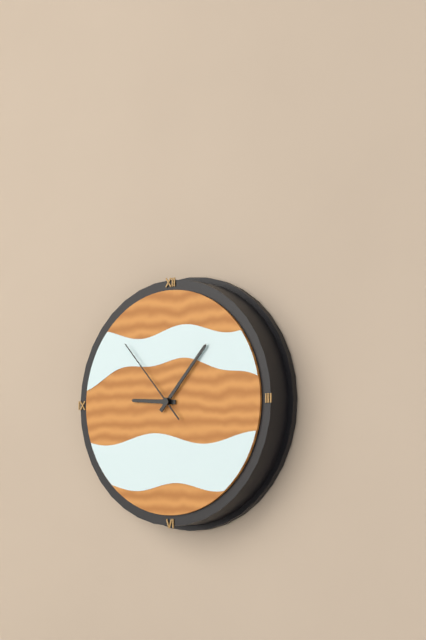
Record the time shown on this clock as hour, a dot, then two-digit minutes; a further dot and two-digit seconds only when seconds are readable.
9.07.53
